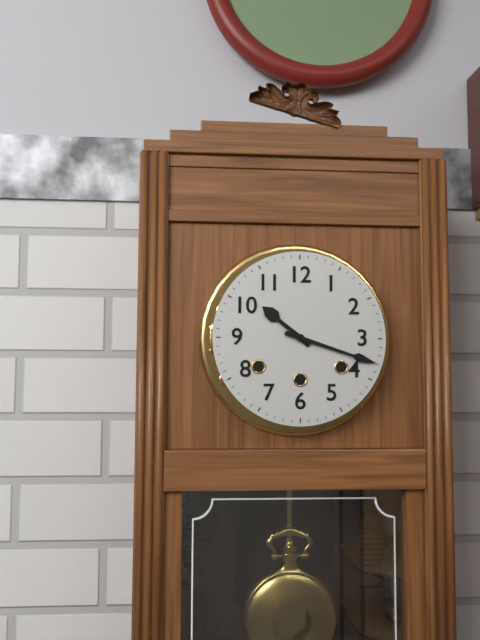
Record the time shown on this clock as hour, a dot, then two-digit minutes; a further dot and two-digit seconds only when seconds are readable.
10.18
